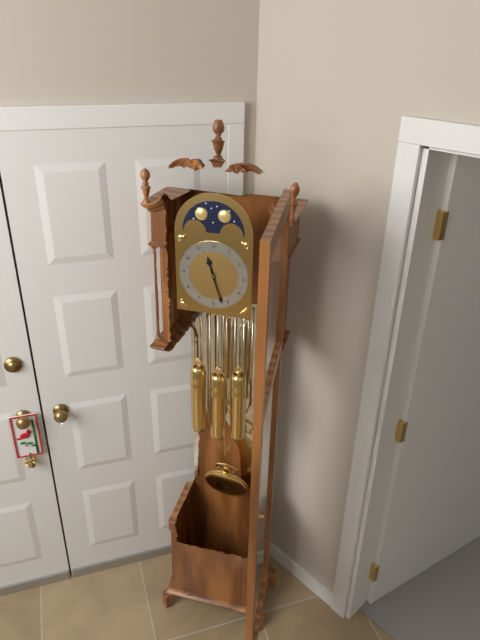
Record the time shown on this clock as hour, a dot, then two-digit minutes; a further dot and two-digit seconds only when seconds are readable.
11.27
